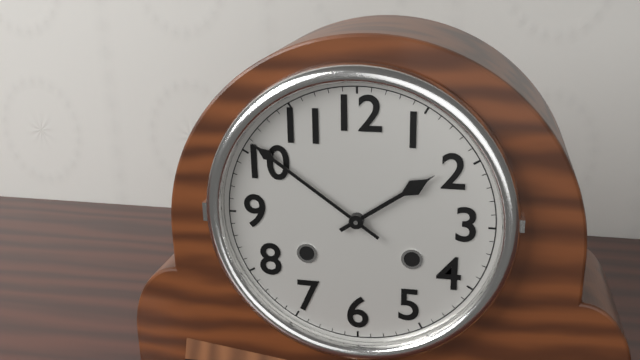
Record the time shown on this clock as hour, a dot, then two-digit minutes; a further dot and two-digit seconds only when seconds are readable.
1.51
